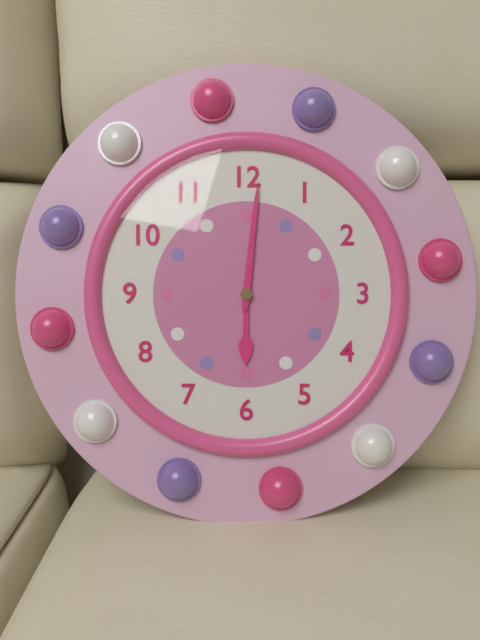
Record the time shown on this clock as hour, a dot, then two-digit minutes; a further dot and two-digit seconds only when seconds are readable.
6.01
